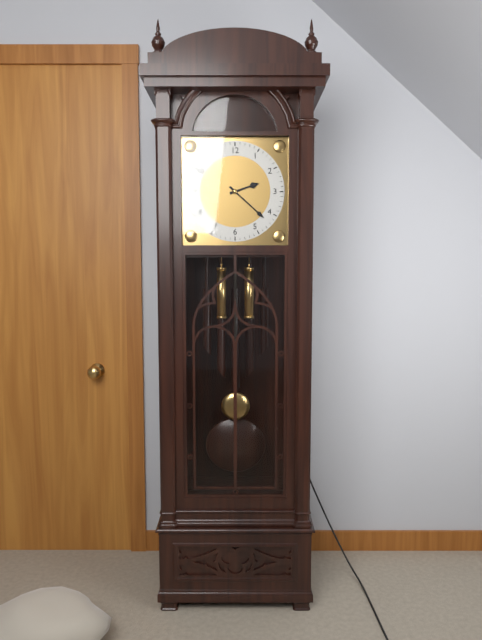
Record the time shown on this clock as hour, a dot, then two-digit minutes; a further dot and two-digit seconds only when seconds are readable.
2.22
